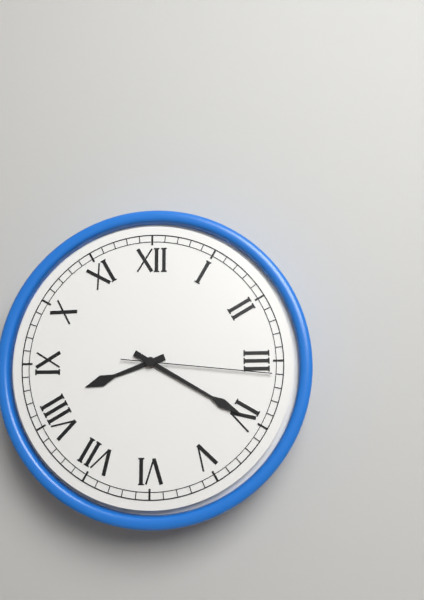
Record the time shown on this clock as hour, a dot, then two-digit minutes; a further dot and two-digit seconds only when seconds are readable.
8.20.16
